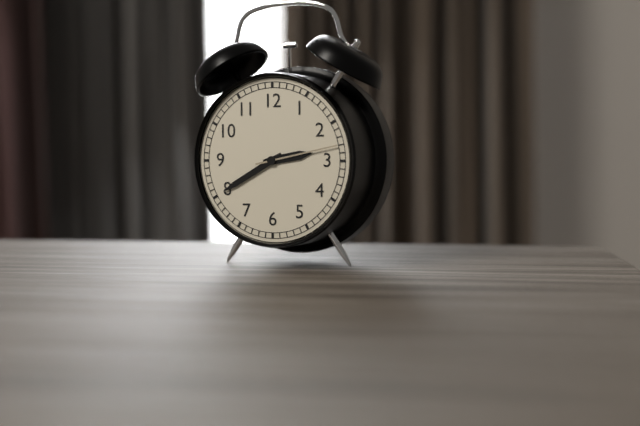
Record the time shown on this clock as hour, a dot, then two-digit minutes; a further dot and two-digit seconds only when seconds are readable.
2.40.13
